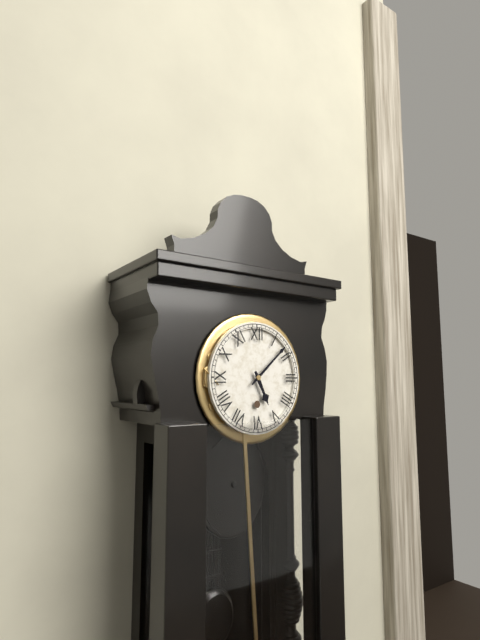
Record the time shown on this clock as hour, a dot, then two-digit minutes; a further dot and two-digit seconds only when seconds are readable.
5.08
